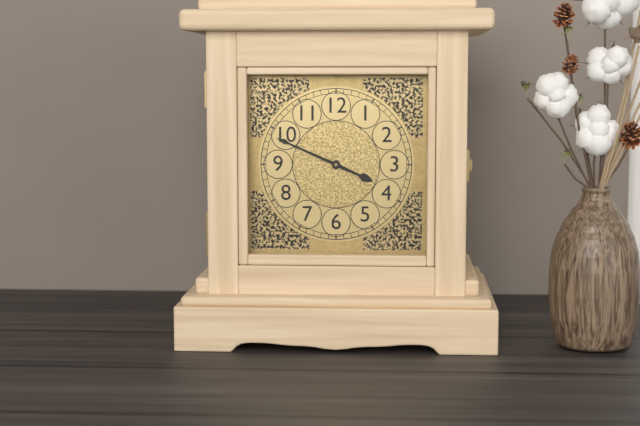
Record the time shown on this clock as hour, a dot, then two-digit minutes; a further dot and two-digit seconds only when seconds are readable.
3.49
